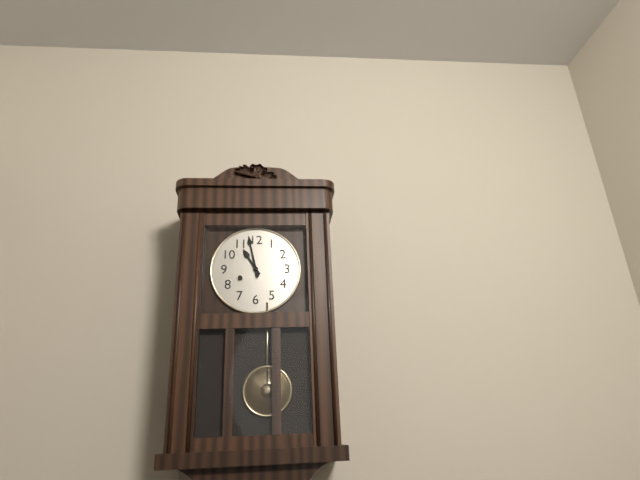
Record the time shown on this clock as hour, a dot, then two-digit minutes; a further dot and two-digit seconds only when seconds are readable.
10.58
